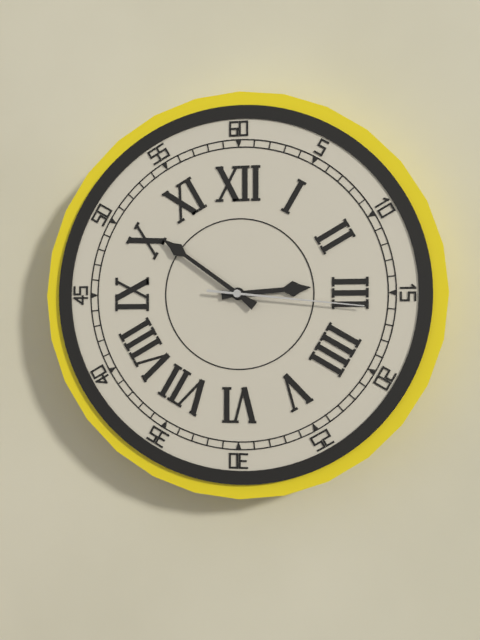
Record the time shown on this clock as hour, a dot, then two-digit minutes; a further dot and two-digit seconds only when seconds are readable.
2.51.16
